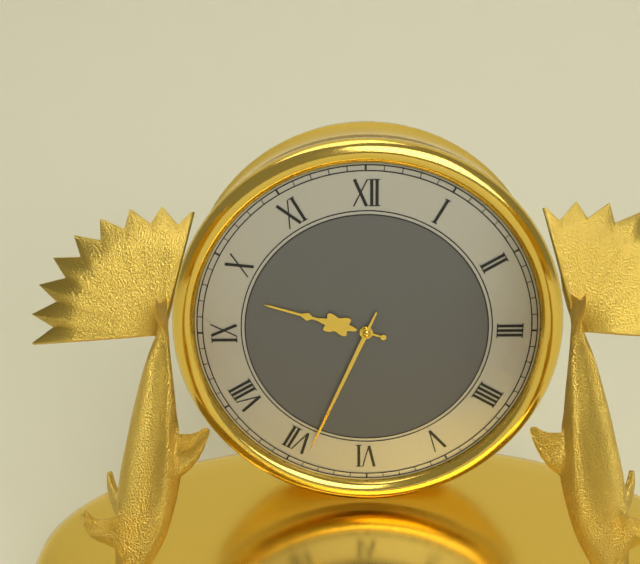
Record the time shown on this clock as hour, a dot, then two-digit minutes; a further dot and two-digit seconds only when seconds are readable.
9.34
